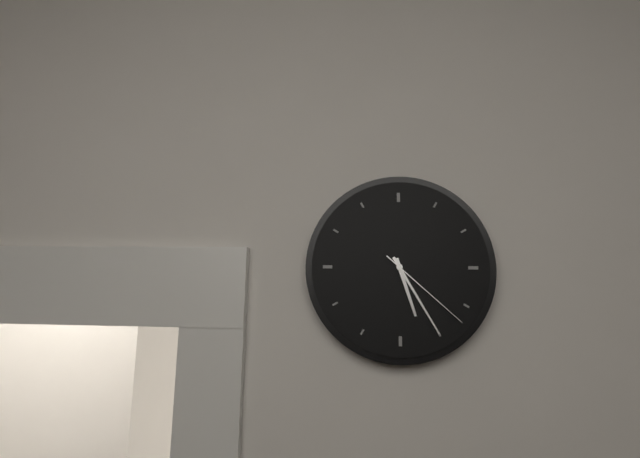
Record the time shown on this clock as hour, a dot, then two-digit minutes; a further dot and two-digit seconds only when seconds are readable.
5.25.22
